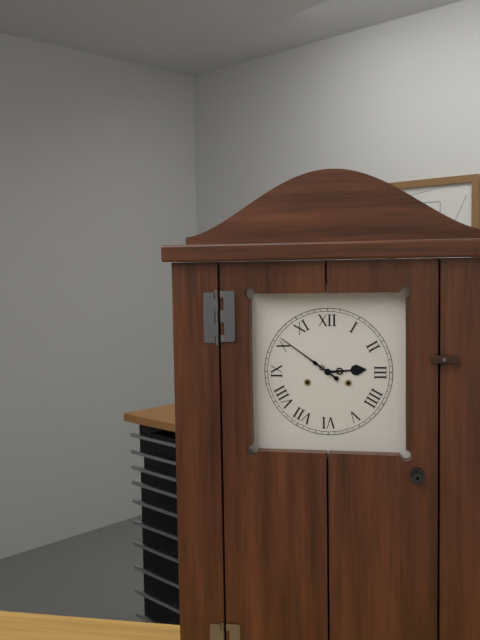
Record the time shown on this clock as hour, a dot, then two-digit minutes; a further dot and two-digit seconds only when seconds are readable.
2.51
